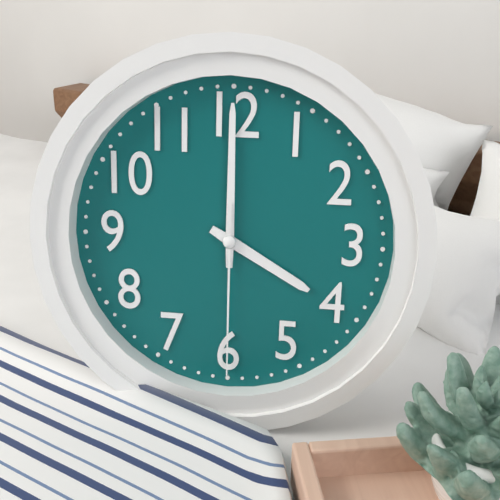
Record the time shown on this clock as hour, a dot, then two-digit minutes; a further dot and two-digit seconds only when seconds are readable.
4.00.30
